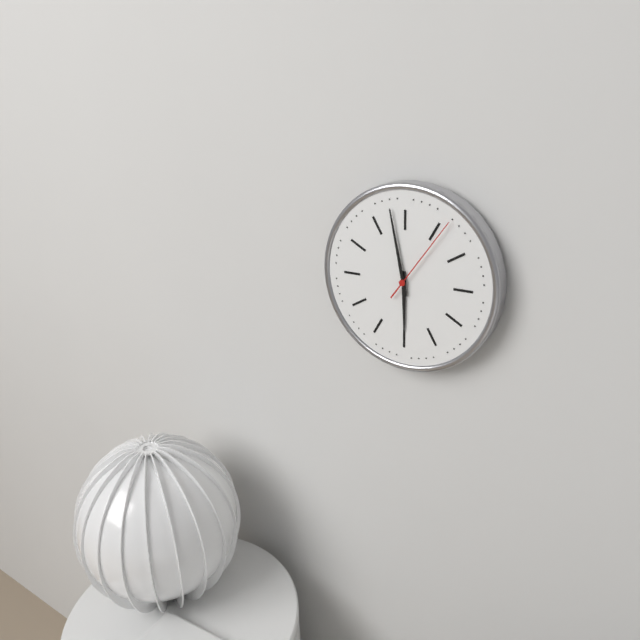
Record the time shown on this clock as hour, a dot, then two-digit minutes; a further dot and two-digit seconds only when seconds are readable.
5.58.06
